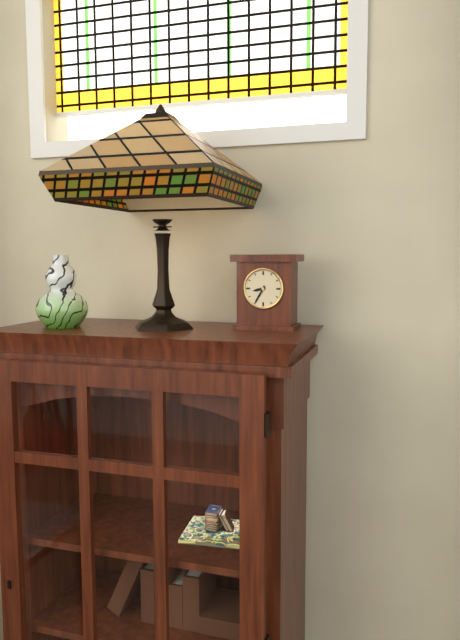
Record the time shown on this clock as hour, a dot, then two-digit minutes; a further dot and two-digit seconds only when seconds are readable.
8.35
